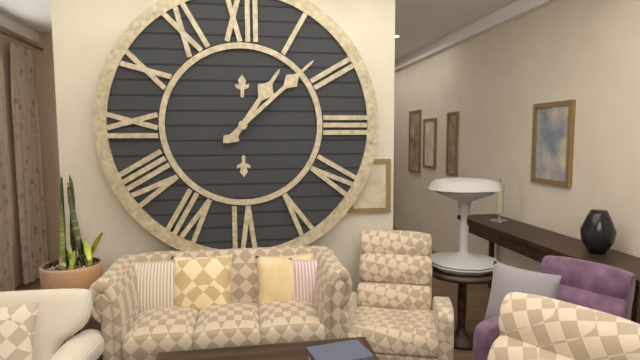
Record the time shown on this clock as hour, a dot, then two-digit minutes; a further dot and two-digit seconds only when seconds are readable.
1.08
